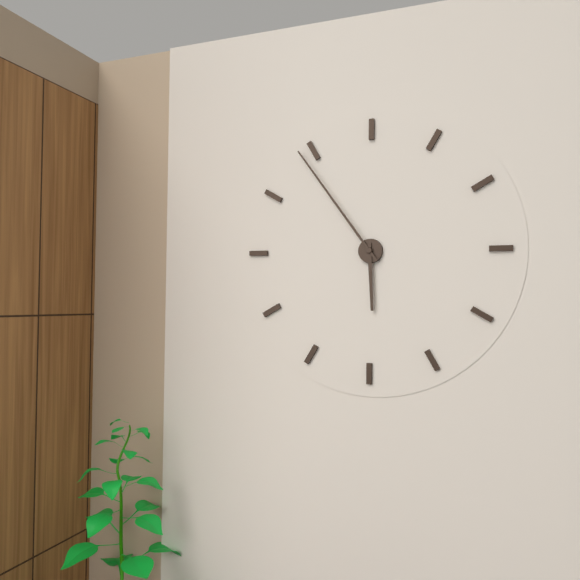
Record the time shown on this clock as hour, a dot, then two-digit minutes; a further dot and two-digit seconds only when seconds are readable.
5.54
